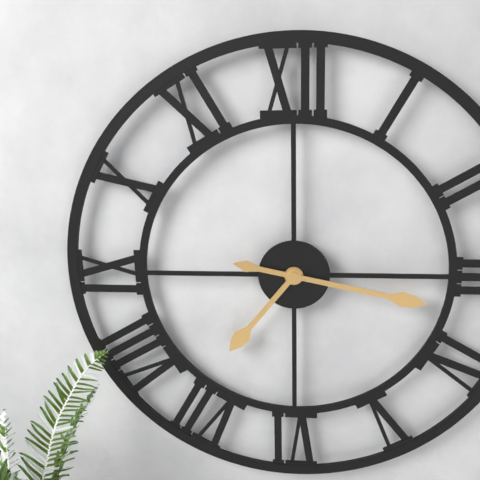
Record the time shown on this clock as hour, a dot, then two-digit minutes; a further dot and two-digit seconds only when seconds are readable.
7.17
